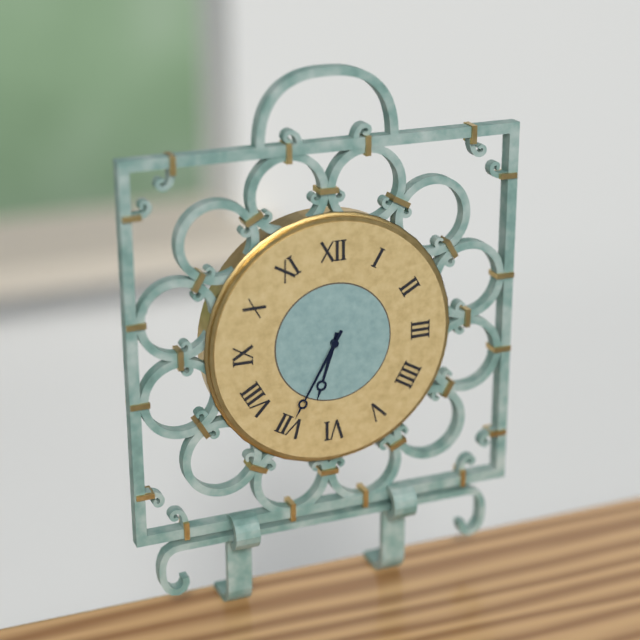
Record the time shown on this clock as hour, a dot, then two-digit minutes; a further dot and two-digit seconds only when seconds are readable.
6.35
